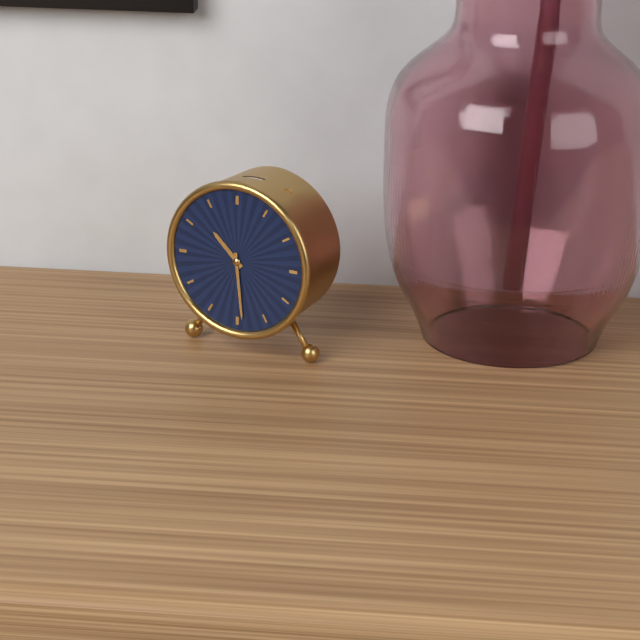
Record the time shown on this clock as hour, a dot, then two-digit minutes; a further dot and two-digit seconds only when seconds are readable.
10.29
